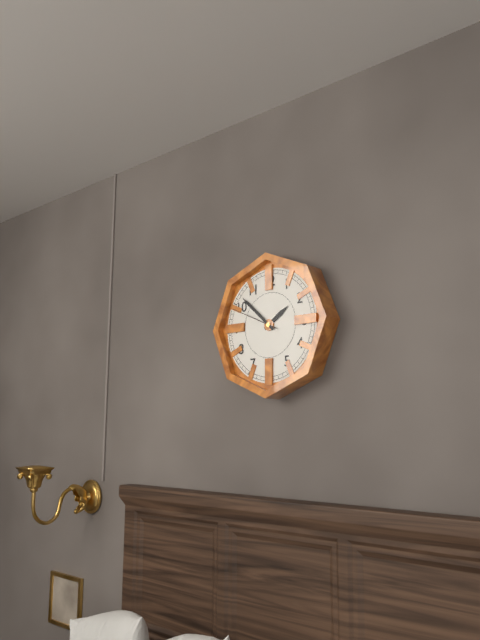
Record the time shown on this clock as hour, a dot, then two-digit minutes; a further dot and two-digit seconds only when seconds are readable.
1.52
